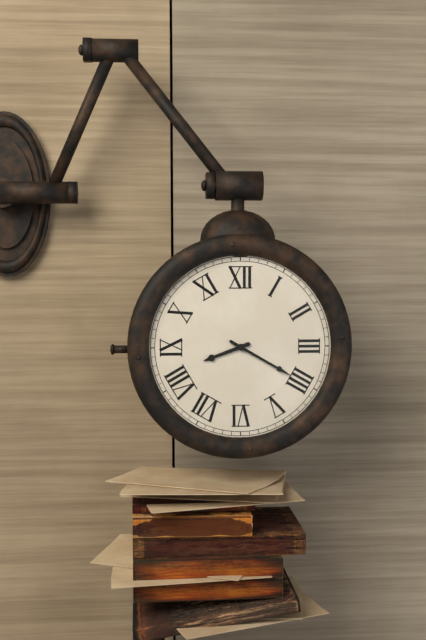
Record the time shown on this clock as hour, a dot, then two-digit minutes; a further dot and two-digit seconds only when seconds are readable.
8.20
